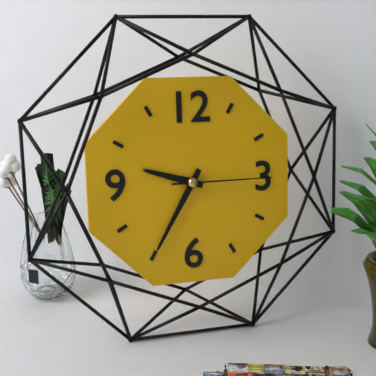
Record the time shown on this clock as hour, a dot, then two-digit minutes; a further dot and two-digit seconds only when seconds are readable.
9.35.15
